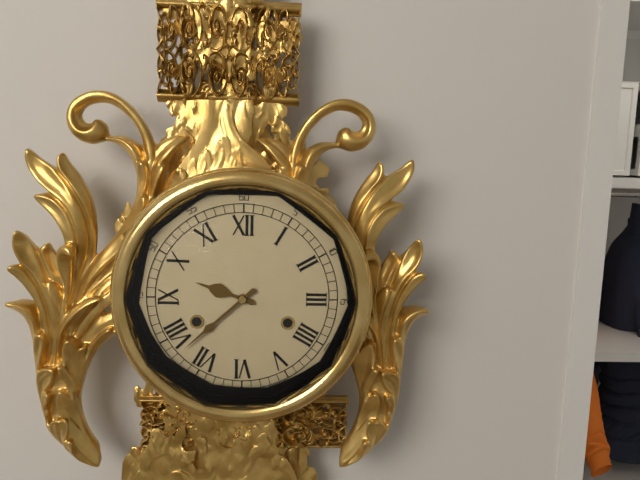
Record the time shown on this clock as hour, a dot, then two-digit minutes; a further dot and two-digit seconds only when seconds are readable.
9.38
